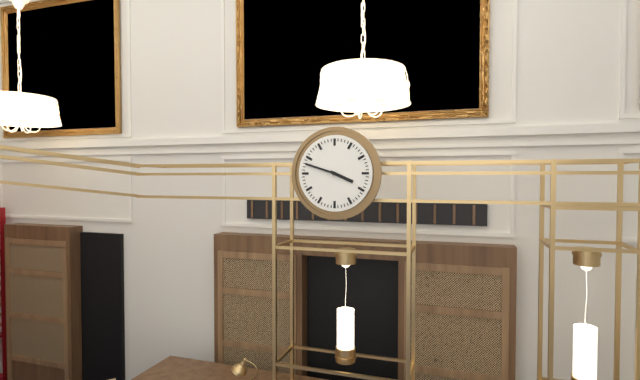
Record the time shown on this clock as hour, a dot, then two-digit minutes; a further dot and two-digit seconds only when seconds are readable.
3.48
